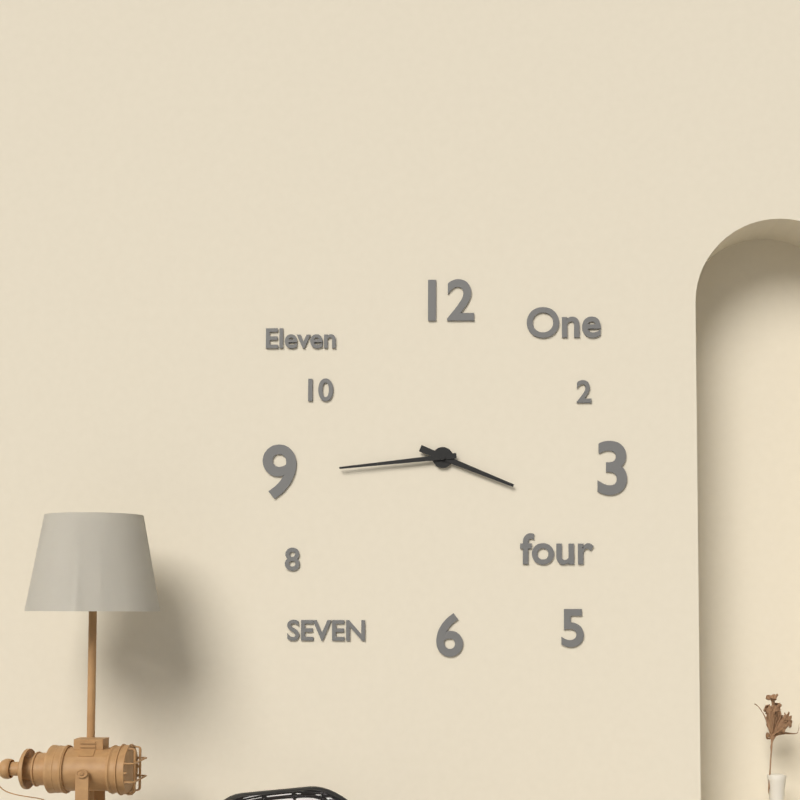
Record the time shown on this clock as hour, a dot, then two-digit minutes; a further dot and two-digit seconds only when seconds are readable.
3.44
